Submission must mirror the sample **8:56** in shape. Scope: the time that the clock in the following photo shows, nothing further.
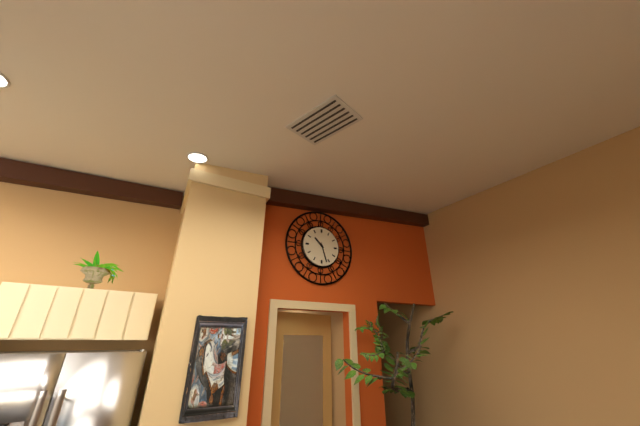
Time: **10:27**
